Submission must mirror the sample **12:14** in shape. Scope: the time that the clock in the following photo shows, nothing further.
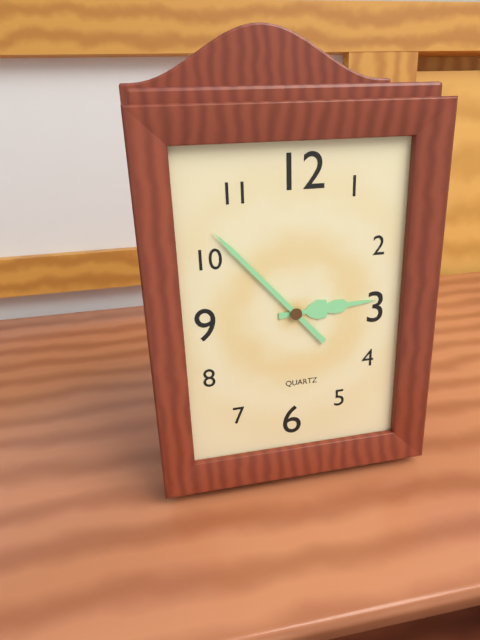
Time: **2:53**
